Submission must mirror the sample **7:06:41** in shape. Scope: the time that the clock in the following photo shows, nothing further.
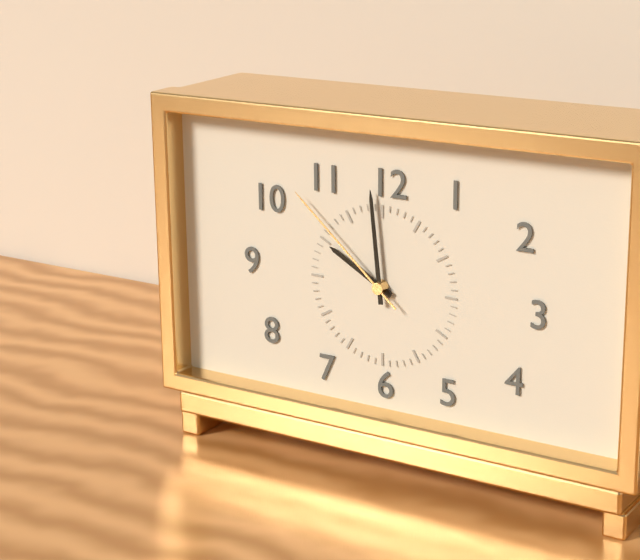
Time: **9:59:52**
